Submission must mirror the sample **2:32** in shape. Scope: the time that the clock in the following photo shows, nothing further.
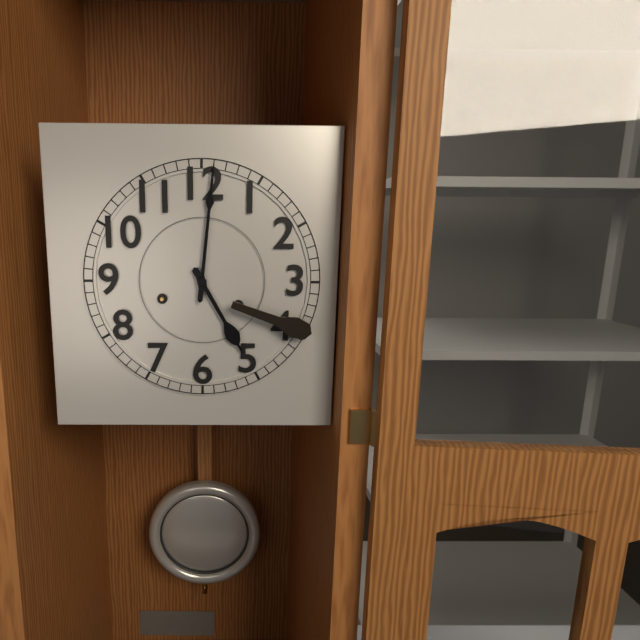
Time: **5:01**
